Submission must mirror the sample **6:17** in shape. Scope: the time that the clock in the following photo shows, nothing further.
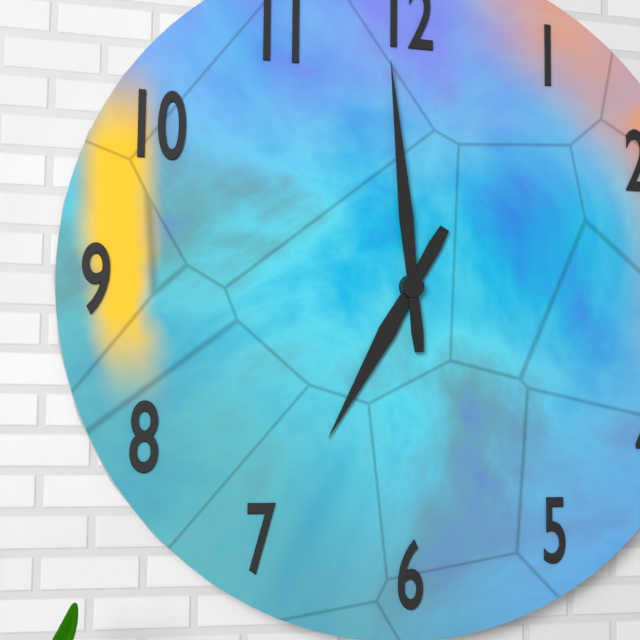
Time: **6:59**
